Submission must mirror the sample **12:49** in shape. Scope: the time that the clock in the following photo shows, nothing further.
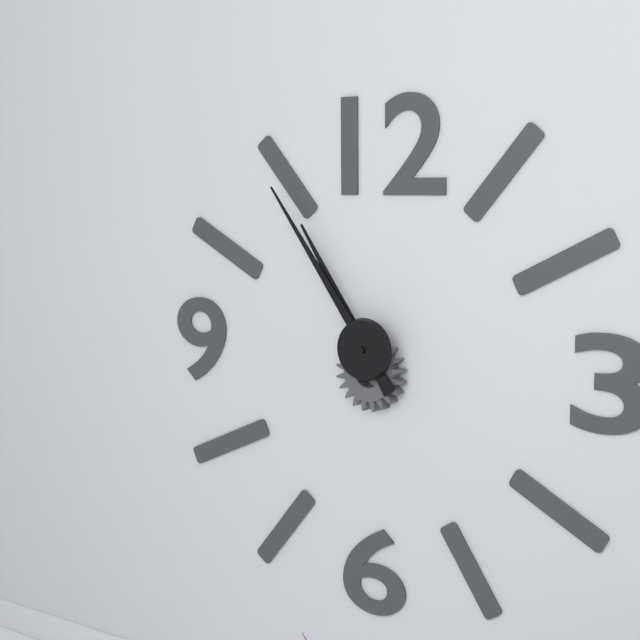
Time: **10:54**
